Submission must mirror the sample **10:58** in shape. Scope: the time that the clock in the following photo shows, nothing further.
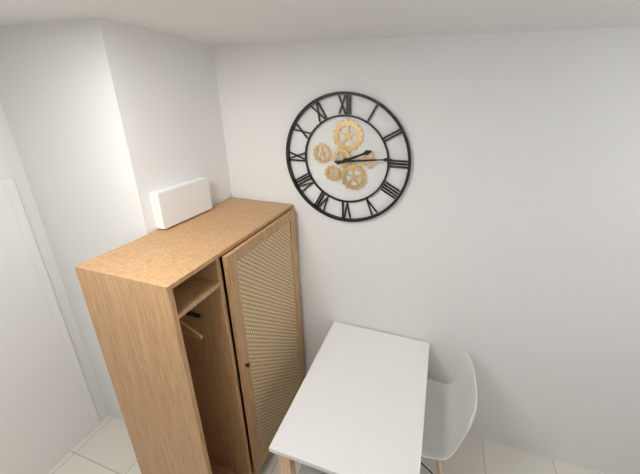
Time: **2:14**
